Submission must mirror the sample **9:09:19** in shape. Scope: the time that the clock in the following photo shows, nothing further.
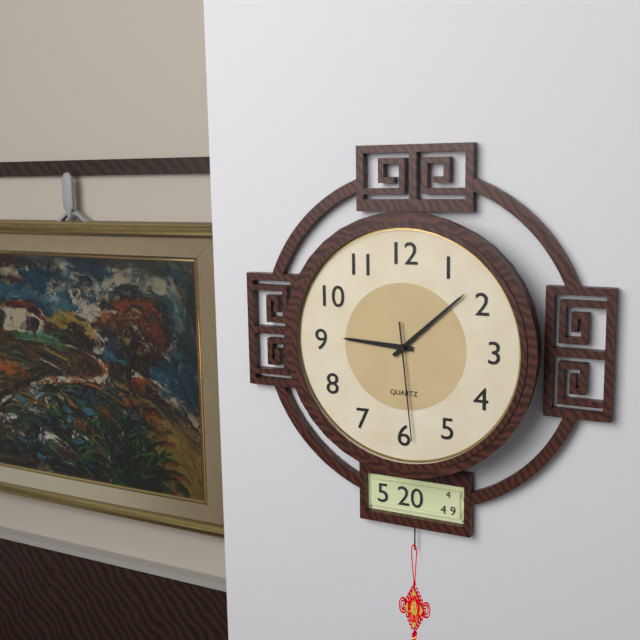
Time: **9:08:29**
